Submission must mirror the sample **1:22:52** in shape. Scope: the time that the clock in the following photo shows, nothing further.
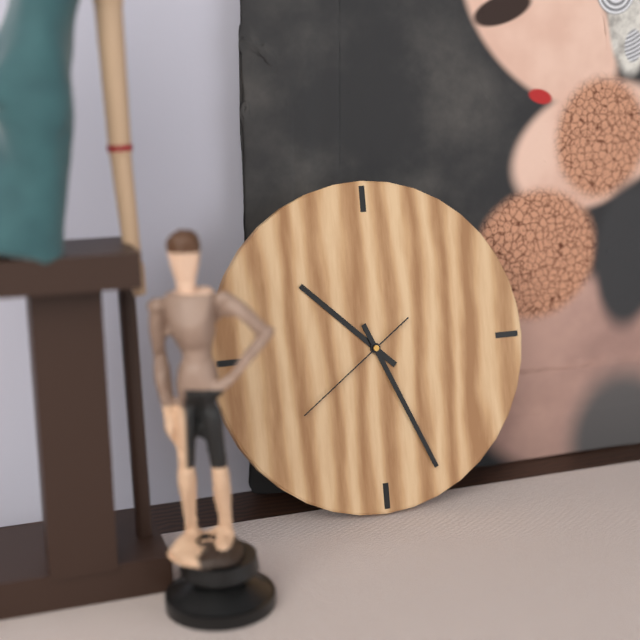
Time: **10:26:39**
